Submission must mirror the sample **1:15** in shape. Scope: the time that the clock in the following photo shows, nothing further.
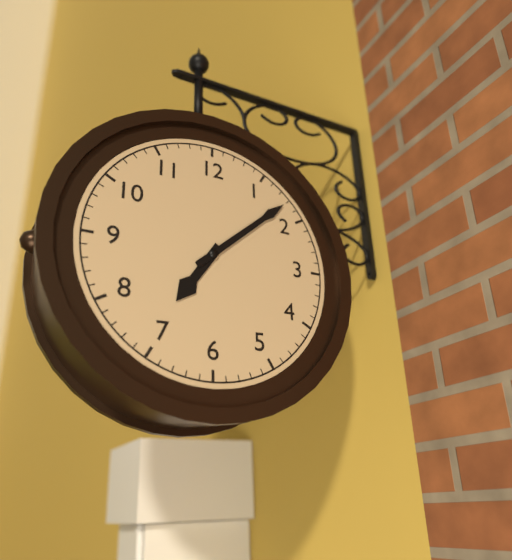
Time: **7:08**
